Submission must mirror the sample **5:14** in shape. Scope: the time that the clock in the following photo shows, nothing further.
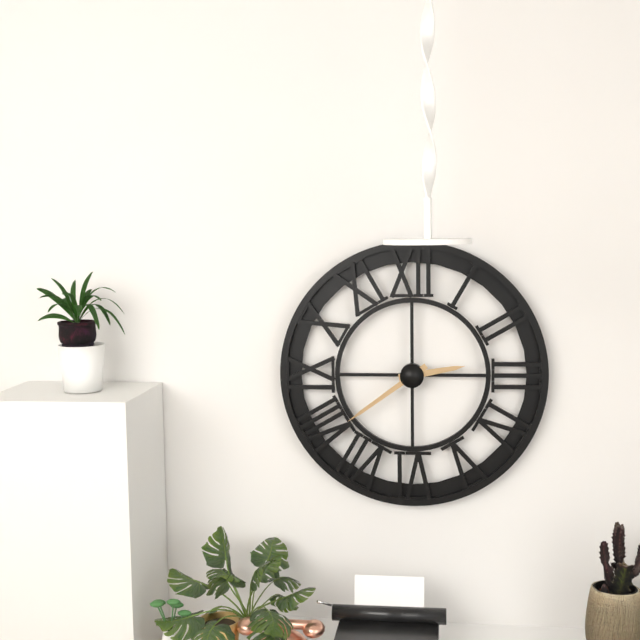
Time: **2:39**
